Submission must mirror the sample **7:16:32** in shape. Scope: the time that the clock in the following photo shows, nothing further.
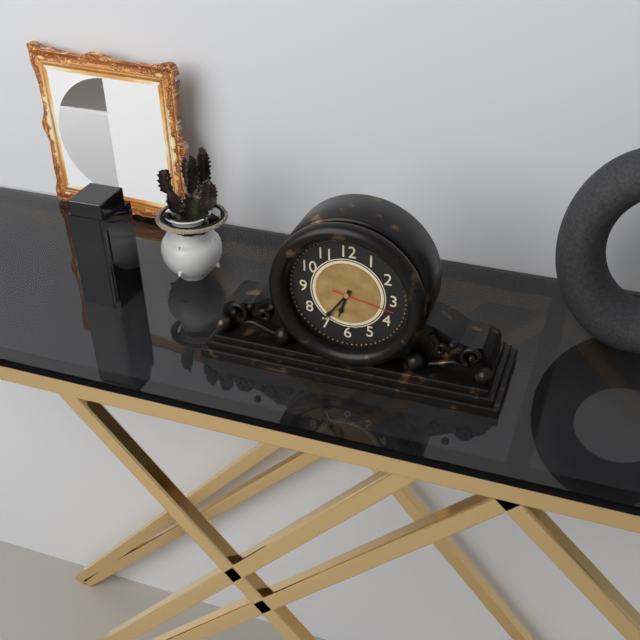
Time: **6:36:17**
